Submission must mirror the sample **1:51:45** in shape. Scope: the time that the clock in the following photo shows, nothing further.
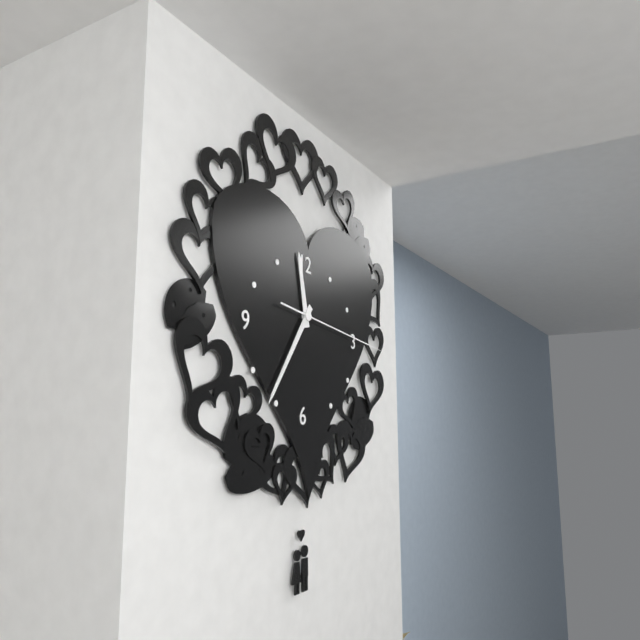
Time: **11:36:16**
